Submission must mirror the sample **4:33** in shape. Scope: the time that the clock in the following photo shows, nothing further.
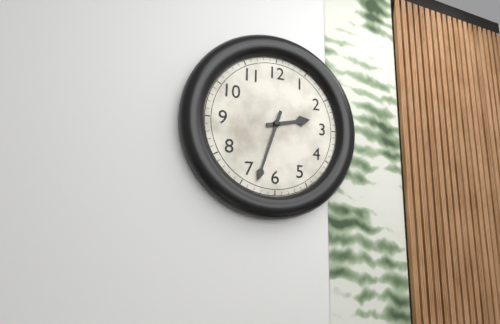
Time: **2:33**
